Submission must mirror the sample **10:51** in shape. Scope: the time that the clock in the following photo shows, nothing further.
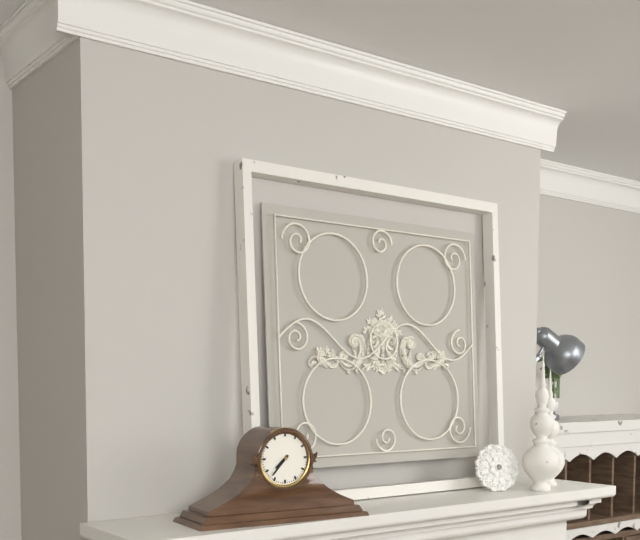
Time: **7:37**
